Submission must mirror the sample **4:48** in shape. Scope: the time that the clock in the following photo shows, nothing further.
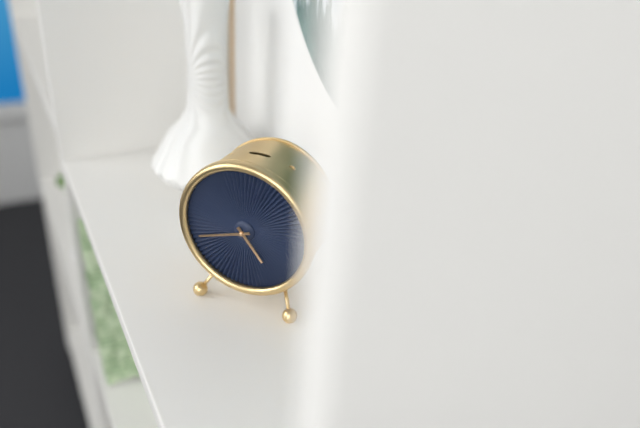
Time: **4:42**
